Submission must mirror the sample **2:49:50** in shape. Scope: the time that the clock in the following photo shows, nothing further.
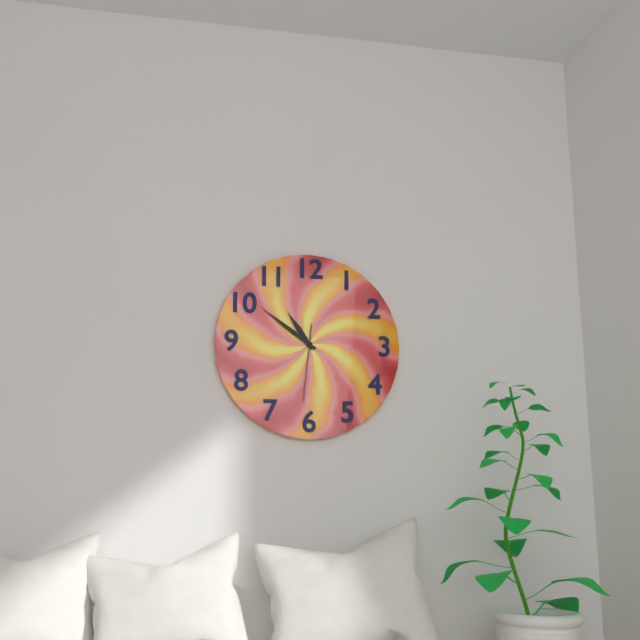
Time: **10:51:31**
